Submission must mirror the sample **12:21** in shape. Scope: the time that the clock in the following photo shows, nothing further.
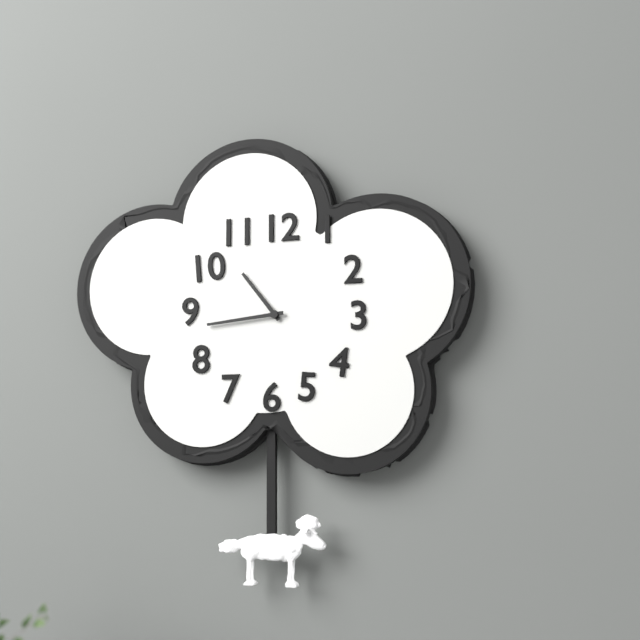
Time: **10:44**
